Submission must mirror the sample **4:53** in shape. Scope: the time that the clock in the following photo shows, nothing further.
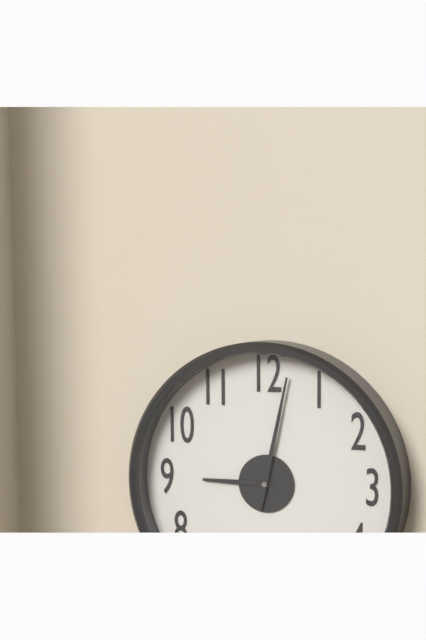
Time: **9:02**
